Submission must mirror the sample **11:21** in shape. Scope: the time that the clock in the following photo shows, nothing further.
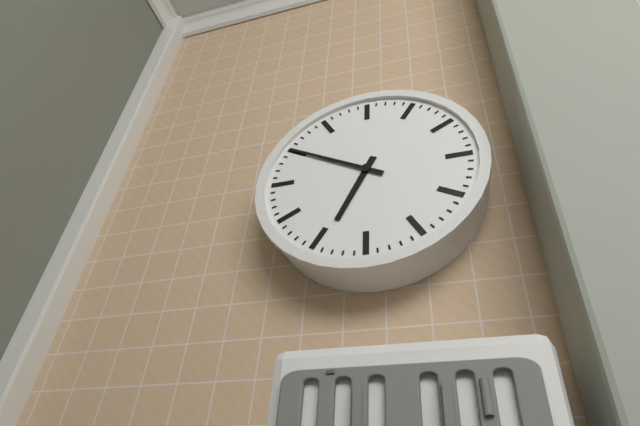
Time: **6:50**
